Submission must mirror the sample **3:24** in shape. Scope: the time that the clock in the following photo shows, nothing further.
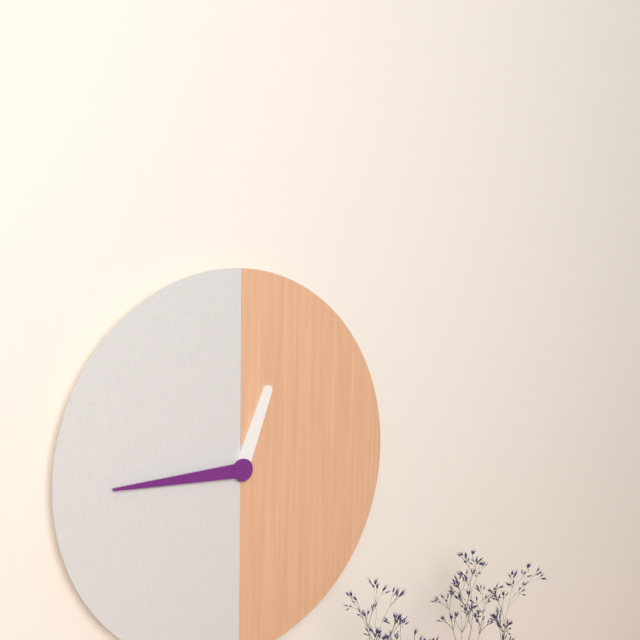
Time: **12:45**
